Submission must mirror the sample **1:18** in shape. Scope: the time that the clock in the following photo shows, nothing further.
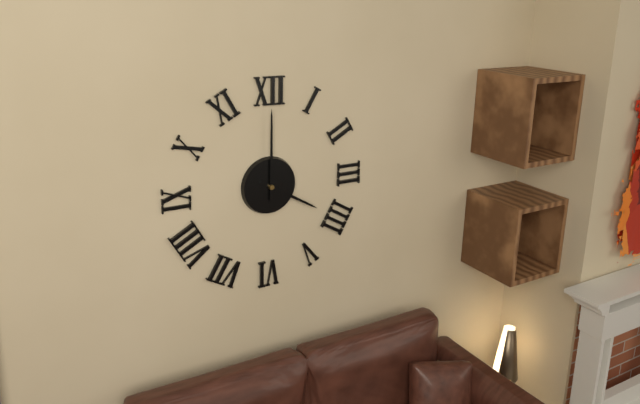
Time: **4:00**
